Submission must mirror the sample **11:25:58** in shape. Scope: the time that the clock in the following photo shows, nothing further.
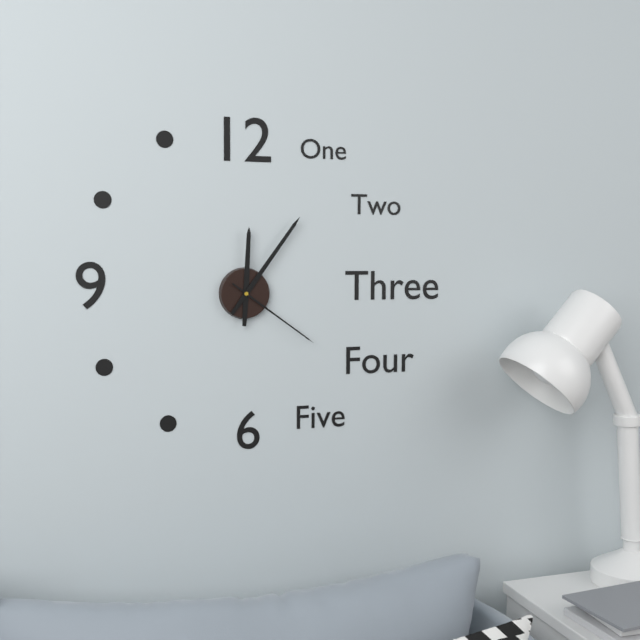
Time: **12:06:21**
